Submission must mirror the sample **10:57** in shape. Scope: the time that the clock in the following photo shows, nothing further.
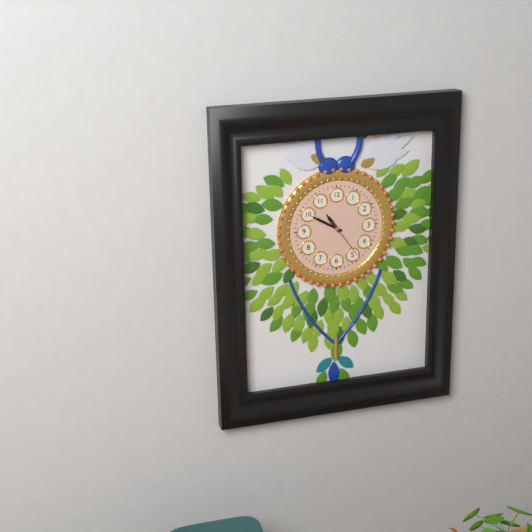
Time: **10:50**
